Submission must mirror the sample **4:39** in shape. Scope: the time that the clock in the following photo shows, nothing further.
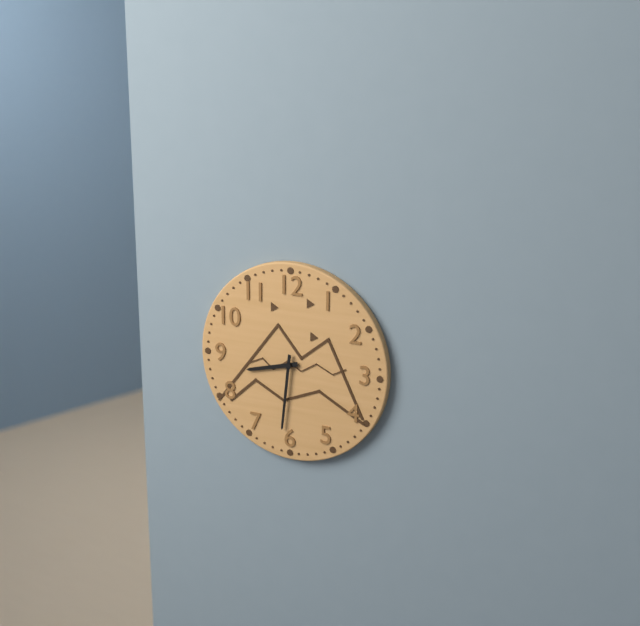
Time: **8:31**
